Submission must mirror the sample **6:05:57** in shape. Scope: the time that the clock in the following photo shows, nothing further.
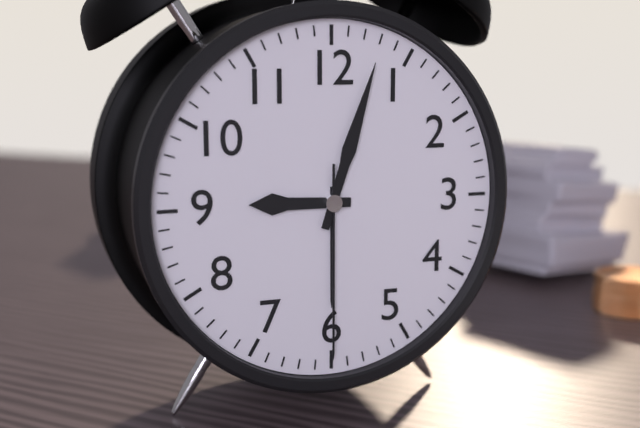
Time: **9:03:30**
